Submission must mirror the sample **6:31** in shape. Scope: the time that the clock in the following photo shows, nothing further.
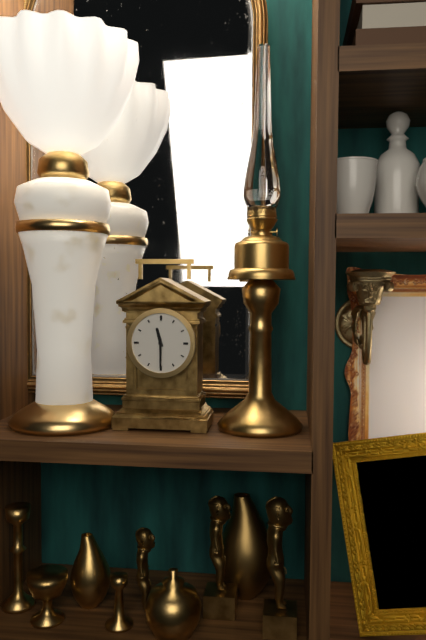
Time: **11:30**
